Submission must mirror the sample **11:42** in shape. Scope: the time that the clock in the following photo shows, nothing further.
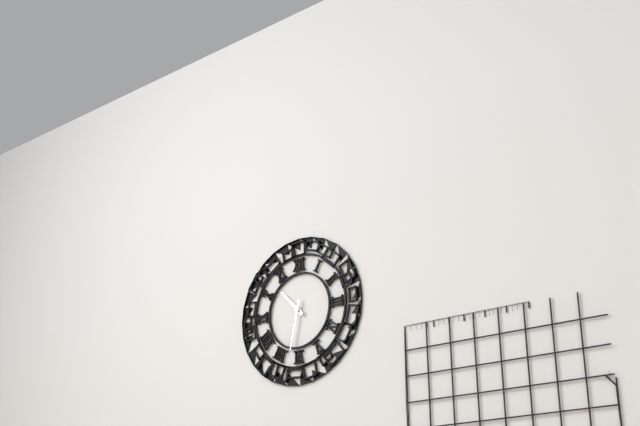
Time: **10:32**
